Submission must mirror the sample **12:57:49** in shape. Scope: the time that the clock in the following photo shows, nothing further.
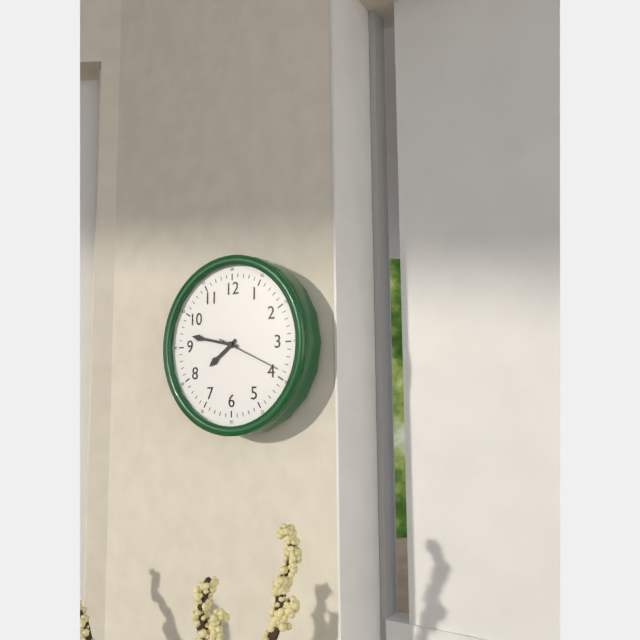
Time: **7:47:19**
